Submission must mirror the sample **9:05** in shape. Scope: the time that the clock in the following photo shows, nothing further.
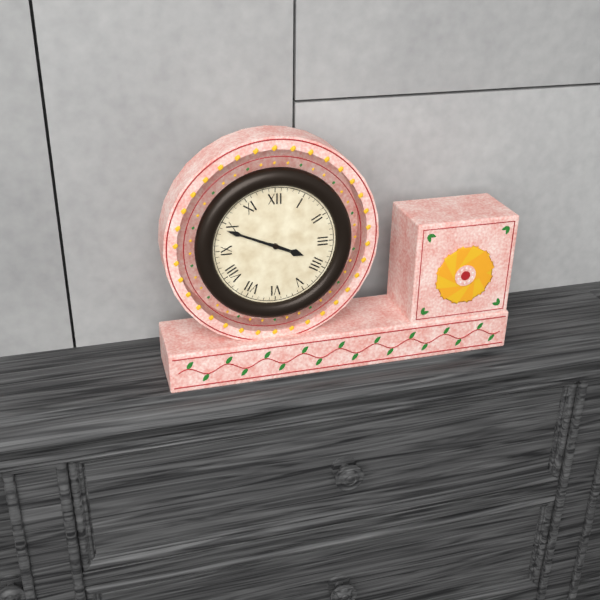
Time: **3:49**
